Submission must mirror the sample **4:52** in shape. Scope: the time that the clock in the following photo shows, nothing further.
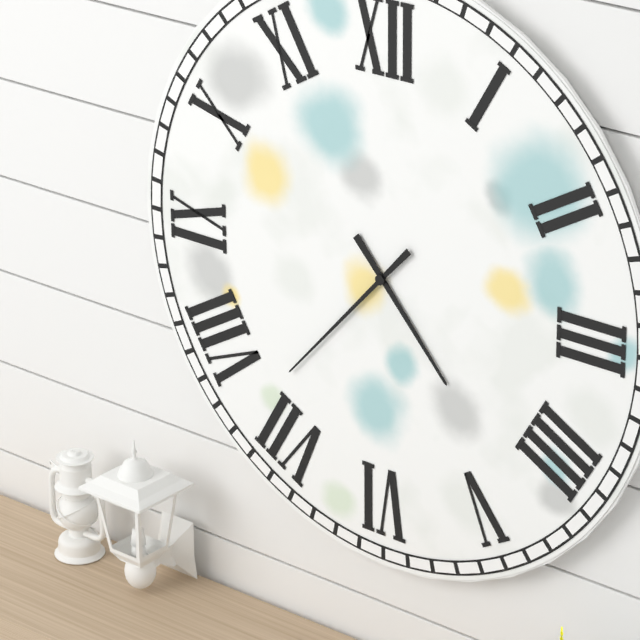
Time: **4:37**
